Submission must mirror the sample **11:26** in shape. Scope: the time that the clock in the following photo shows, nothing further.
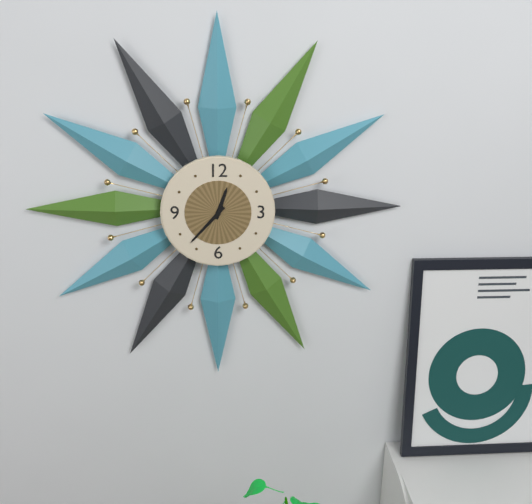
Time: **12:37**
